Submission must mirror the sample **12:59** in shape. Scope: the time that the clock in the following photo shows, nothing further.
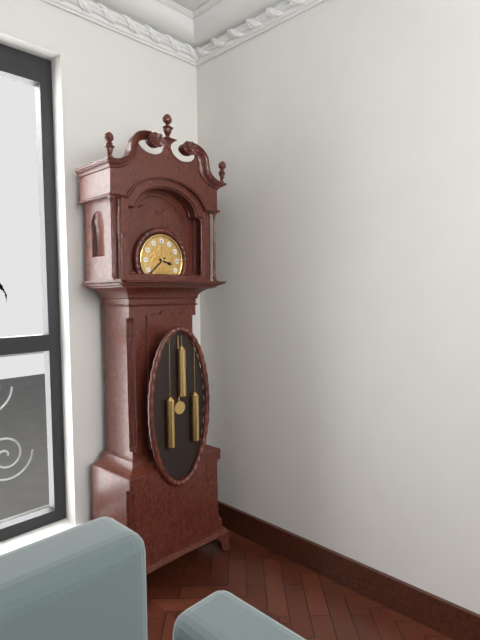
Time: **3:38**
